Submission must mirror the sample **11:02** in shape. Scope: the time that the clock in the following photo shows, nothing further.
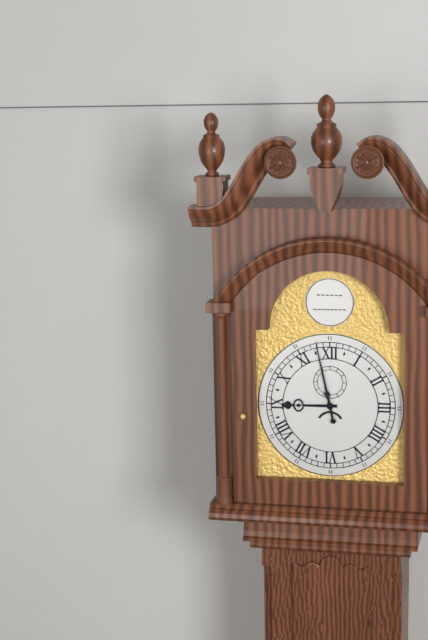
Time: **8:58**
